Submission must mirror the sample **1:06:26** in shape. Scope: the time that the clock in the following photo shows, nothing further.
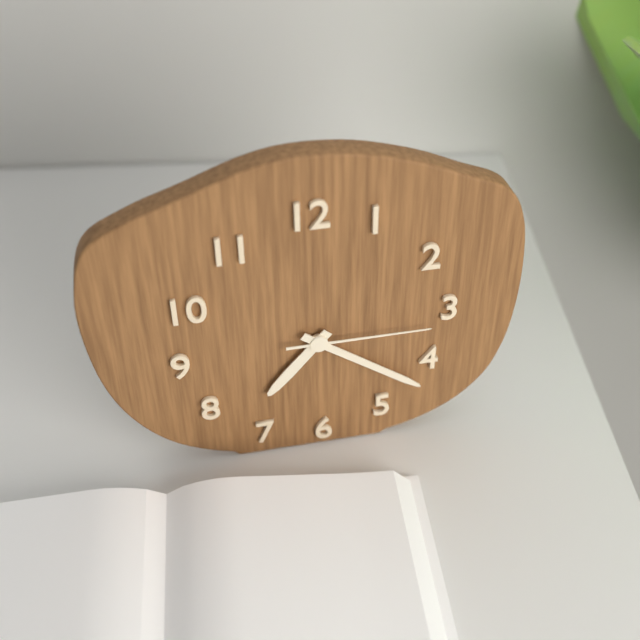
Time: **7:21:15**
